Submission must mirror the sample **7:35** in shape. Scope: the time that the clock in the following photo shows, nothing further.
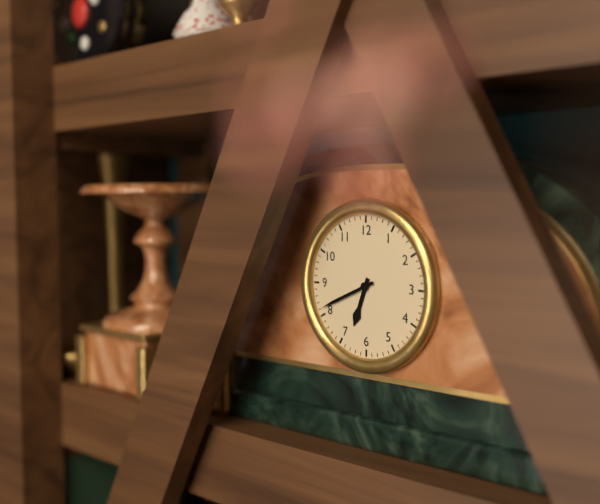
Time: **6:41**
